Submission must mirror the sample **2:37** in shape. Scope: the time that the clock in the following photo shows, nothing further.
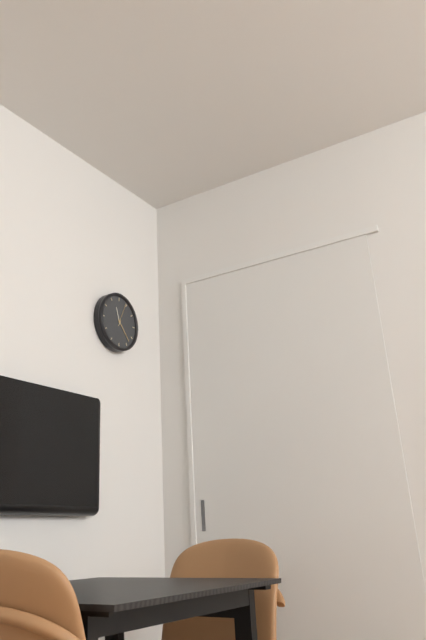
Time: **11:23**
